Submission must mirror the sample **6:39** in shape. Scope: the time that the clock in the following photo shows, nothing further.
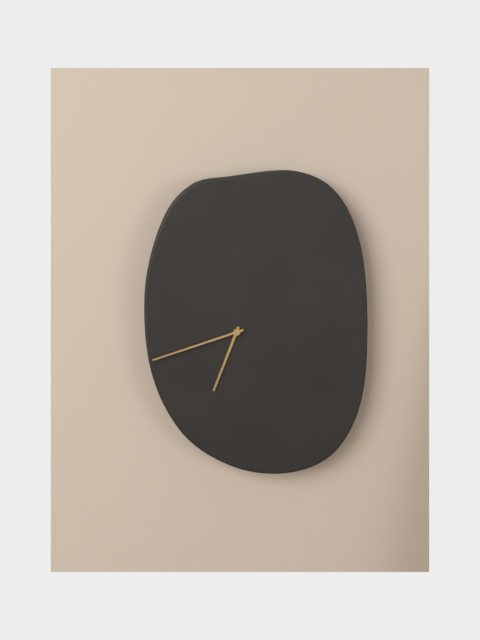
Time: **6:42**
